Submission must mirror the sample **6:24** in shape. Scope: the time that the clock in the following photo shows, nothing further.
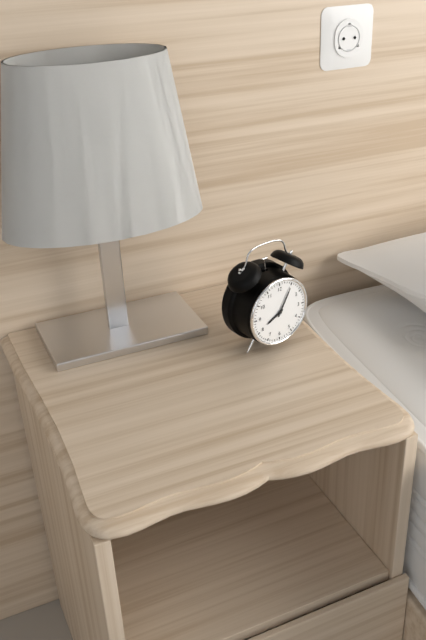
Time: **8:05**
